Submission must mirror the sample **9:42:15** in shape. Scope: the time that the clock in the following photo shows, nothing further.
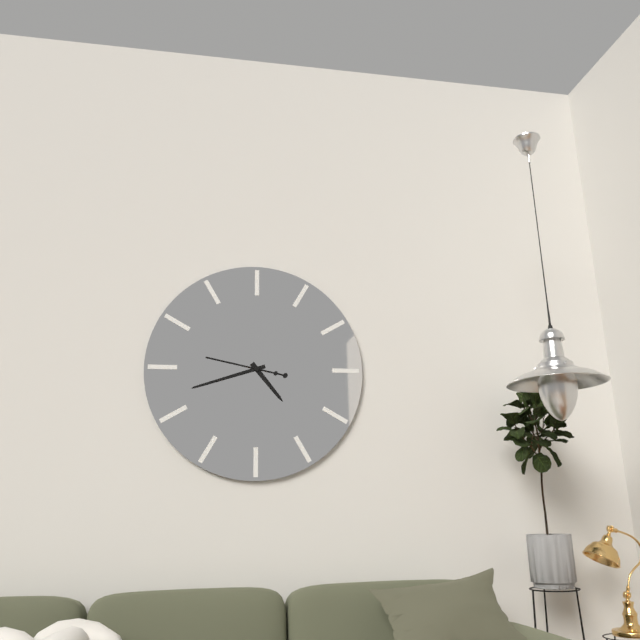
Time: **4:42:47**
